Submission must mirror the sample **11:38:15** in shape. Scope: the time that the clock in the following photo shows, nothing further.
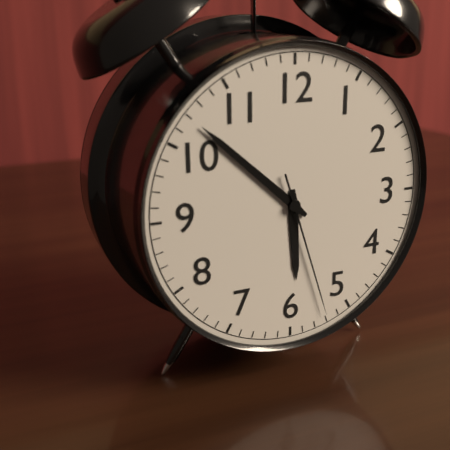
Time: **5:52:27**
